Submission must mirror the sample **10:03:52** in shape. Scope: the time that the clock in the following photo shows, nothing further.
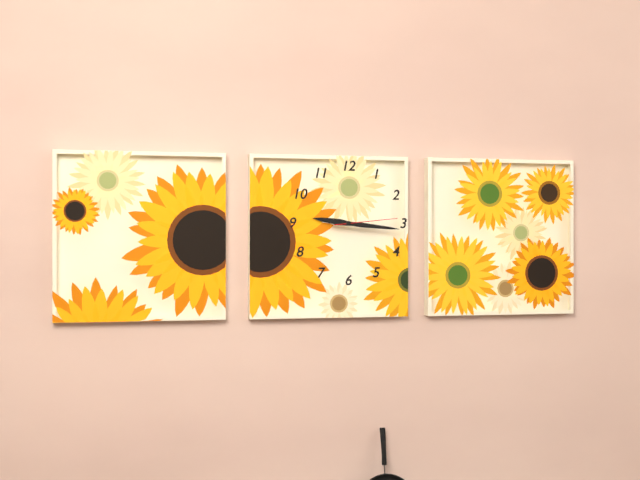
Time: **9:16:14**
